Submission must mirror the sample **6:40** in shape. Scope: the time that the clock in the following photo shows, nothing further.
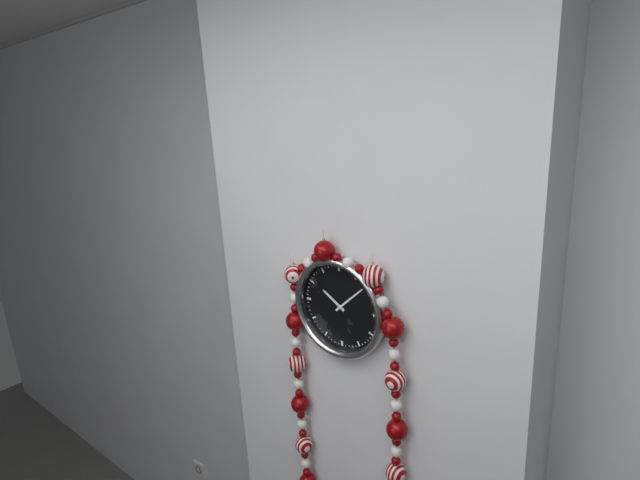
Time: **10:08**
